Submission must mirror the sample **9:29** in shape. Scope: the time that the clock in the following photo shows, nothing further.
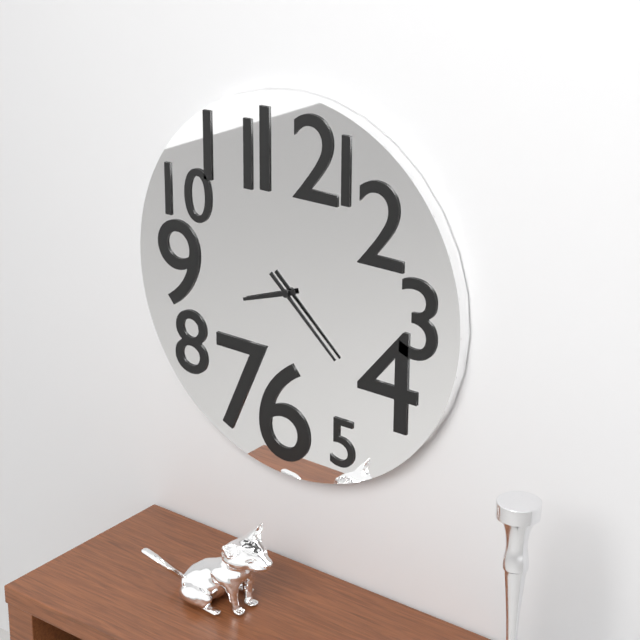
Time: **8:22**
